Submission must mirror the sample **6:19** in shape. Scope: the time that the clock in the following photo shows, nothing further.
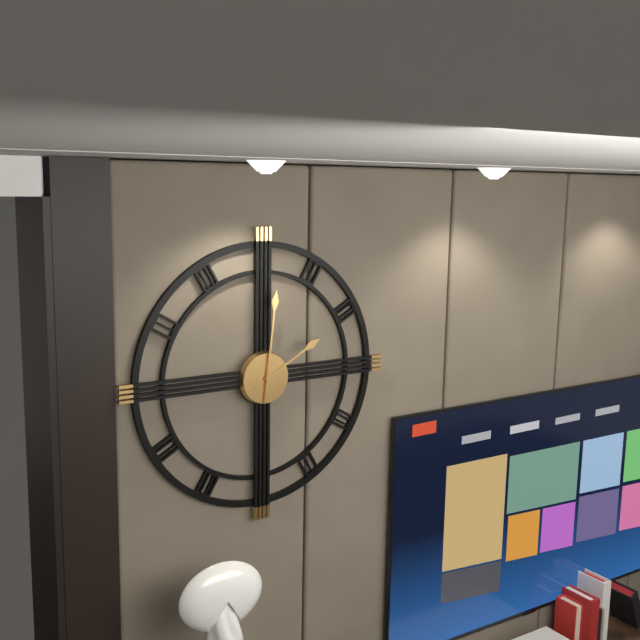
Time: **2:01**
